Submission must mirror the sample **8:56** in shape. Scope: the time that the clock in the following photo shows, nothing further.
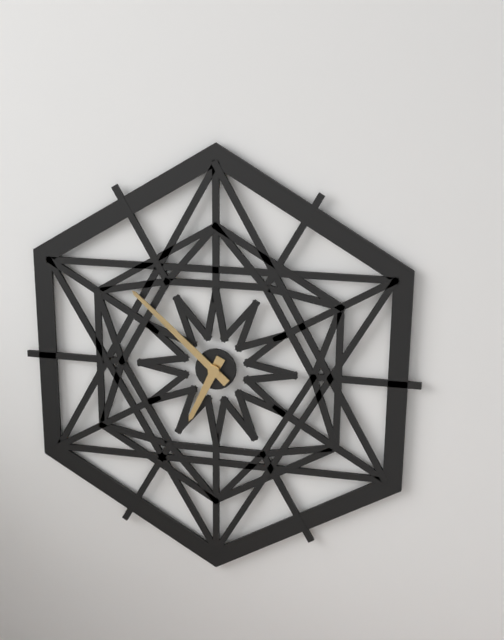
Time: **6:52**
